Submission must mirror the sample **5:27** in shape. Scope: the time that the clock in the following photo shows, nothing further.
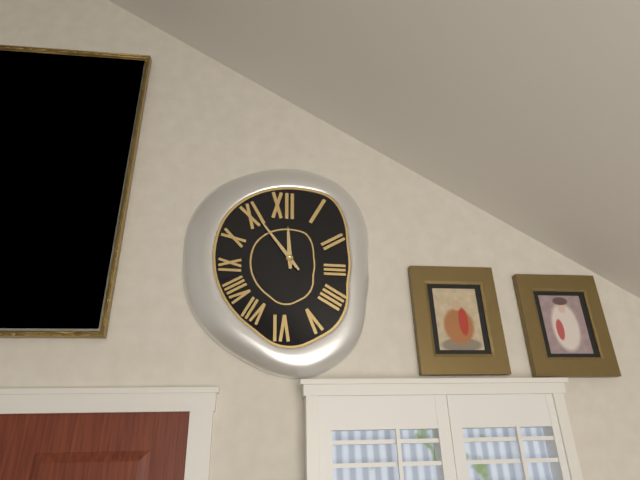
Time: **11:54**
